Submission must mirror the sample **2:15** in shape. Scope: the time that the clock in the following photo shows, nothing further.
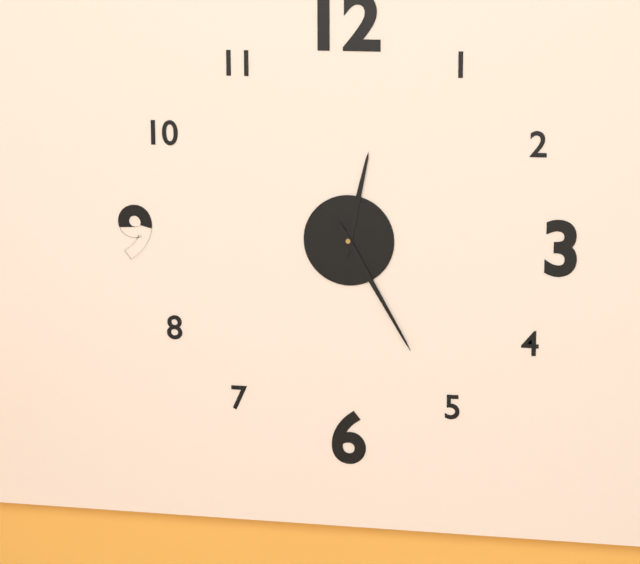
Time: **12:25**
